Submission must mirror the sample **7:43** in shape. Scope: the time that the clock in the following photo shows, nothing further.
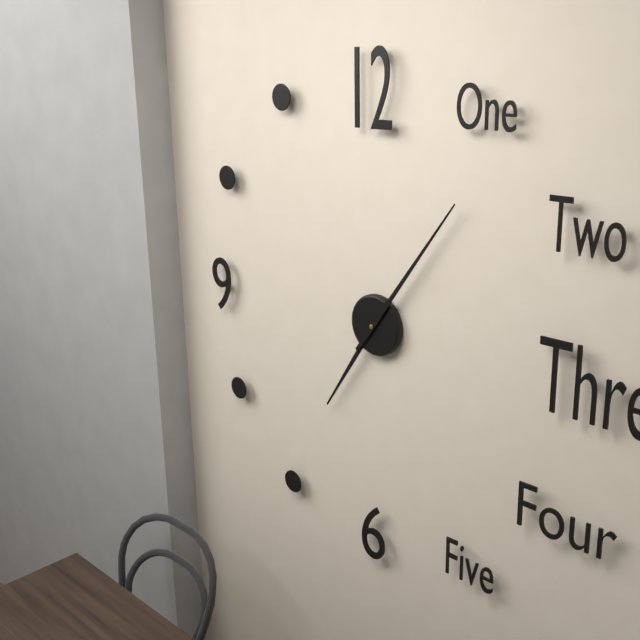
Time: **7:06**
